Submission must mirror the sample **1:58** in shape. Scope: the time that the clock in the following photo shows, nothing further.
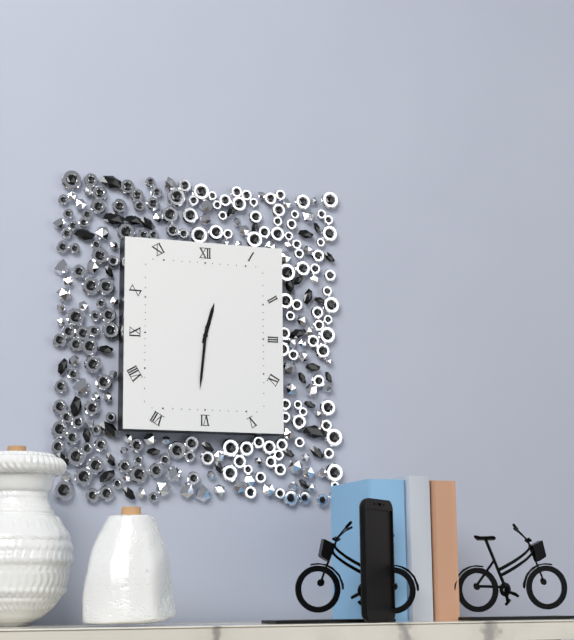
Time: **12:31**
